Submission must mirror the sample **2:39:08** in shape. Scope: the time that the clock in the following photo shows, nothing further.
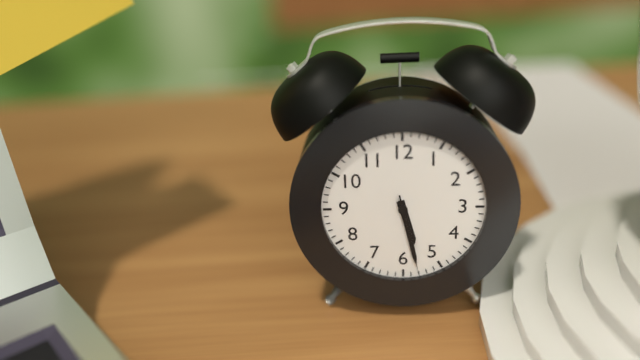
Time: **5:28:28**
